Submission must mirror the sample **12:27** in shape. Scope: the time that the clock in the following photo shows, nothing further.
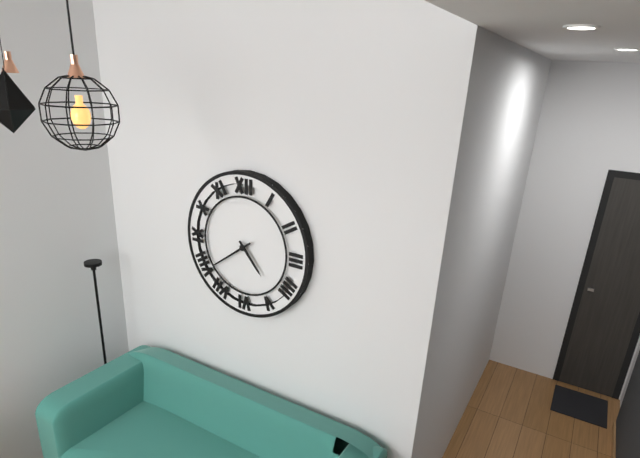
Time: **4:39**
